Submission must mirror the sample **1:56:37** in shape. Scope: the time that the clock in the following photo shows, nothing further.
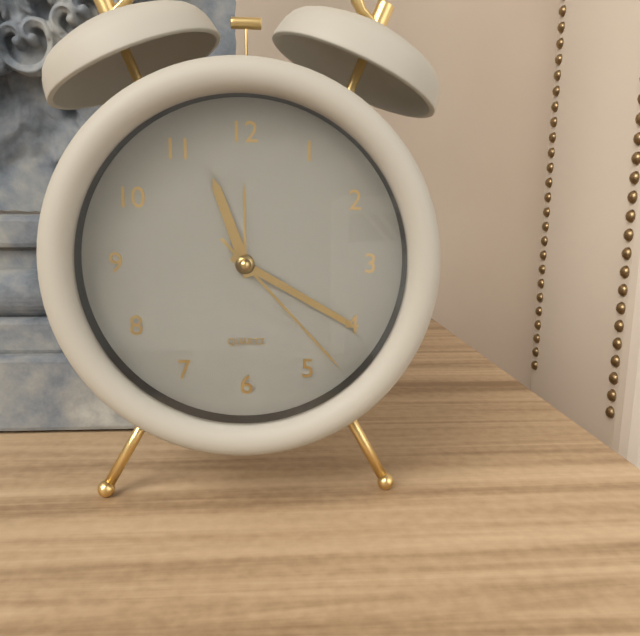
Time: **11:20:23**
